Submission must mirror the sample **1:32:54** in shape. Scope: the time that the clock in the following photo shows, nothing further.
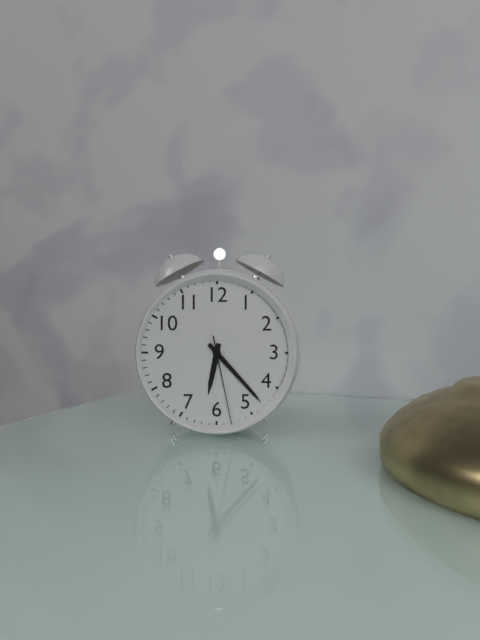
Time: **6:23:28**
